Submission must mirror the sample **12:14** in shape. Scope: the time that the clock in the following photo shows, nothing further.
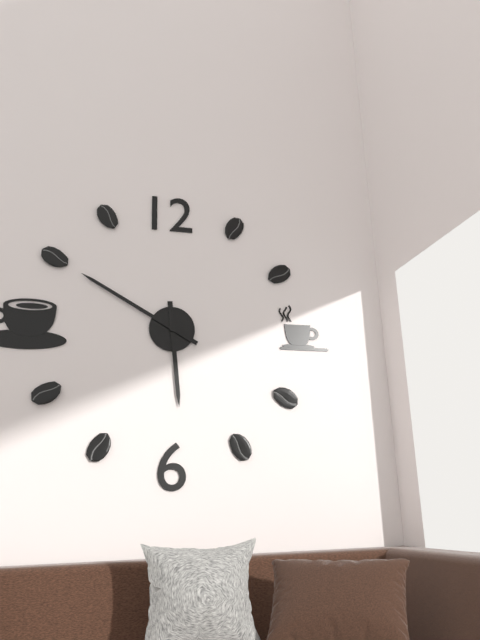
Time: **5:50**
